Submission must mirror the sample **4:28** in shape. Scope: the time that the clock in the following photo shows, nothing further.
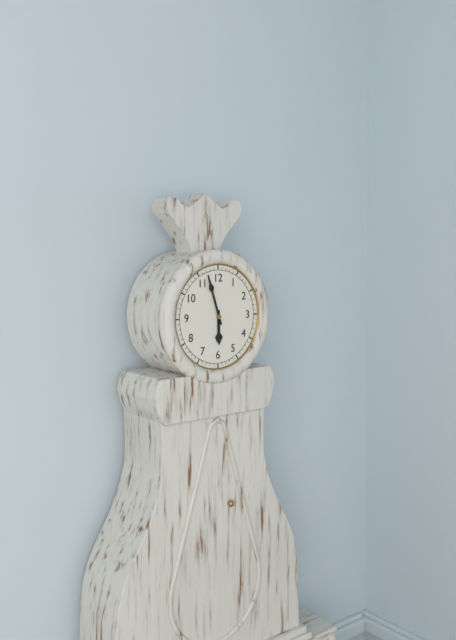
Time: **5:57**
